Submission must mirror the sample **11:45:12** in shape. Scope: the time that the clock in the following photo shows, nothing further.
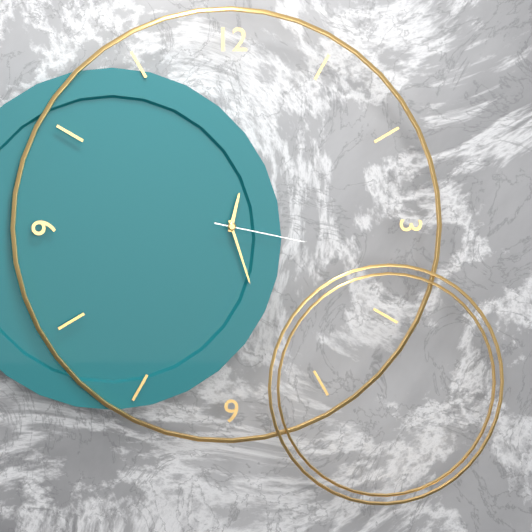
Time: **12:27:17**
